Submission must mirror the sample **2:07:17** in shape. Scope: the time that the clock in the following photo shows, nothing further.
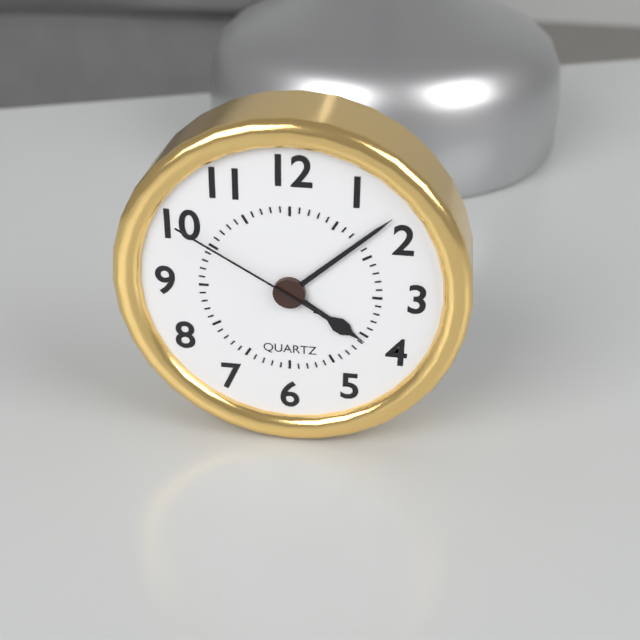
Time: **4:08:50**
